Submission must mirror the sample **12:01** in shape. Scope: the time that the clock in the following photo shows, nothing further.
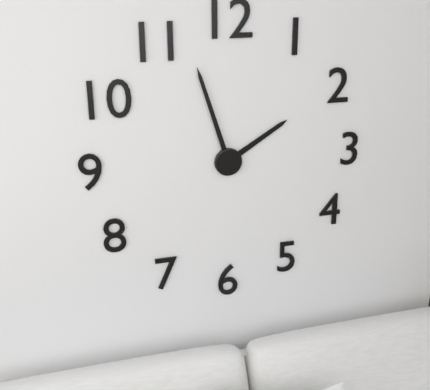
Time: **1:57**
